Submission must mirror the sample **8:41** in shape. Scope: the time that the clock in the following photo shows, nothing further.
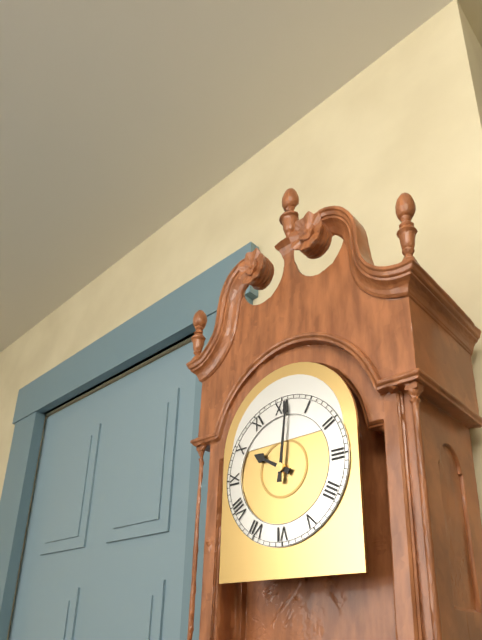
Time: **10:01**
